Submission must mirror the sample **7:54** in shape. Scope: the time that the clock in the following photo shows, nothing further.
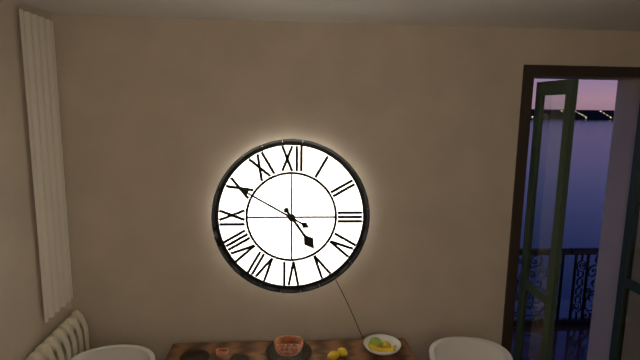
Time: **4:50**
